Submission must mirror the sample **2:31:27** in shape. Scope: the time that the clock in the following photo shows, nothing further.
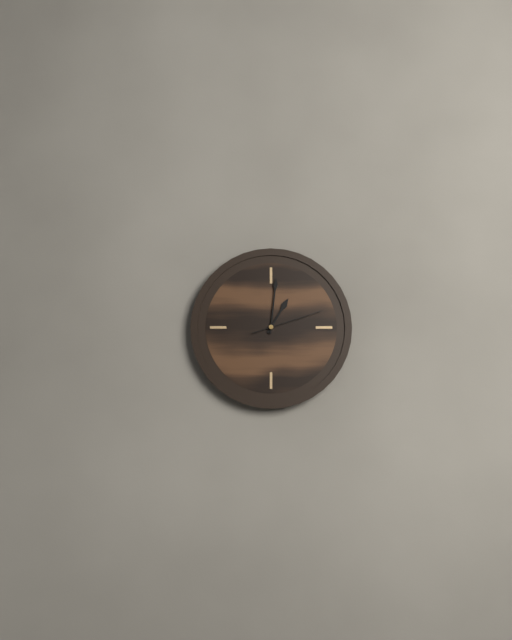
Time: **1:01:12**
